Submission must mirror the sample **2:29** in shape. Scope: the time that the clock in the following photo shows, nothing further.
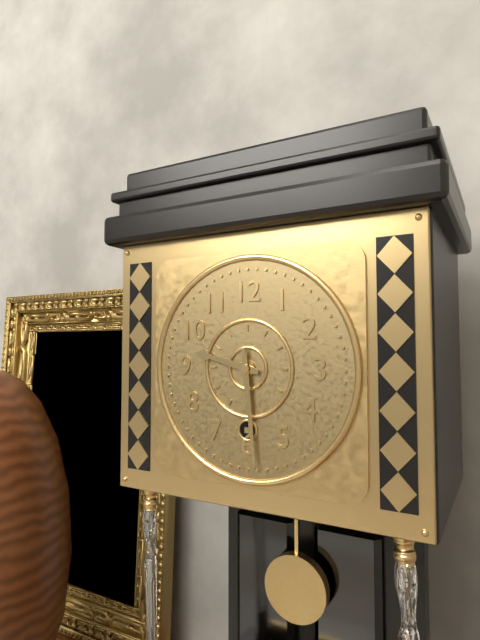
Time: **9:29**
